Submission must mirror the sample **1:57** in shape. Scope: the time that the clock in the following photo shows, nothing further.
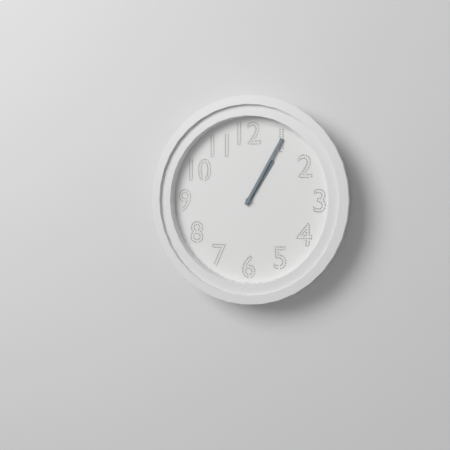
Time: **1:05**
